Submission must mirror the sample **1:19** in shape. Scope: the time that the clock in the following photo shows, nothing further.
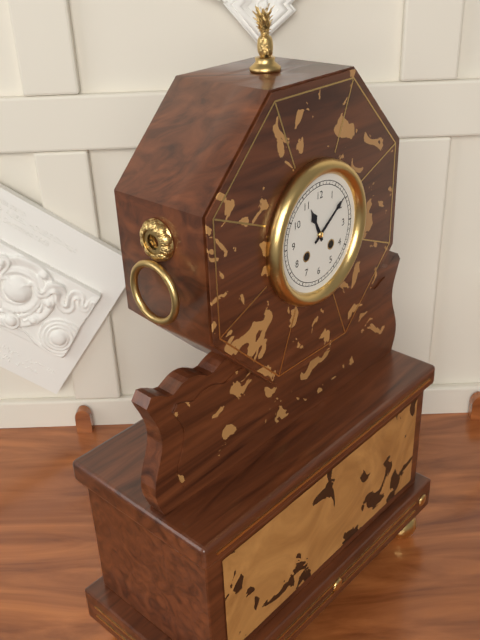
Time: **11:09**
